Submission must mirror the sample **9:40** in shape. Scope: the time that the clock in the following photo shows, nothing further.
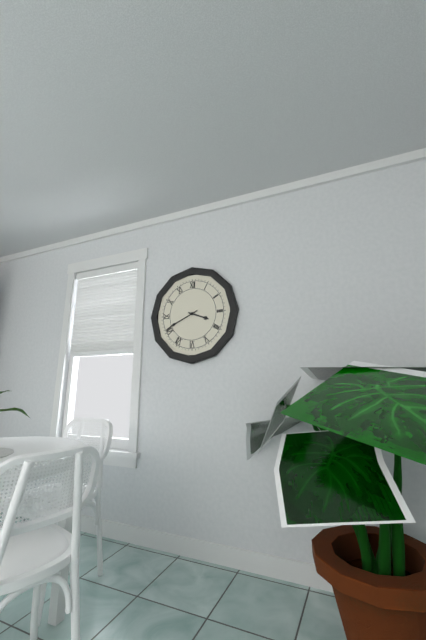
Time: **3:41**
